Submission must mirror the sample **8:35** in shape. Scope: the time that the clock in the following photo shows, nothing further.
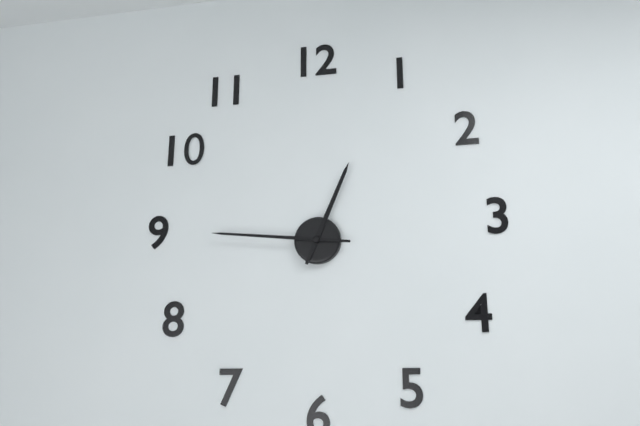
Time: **12:46**
